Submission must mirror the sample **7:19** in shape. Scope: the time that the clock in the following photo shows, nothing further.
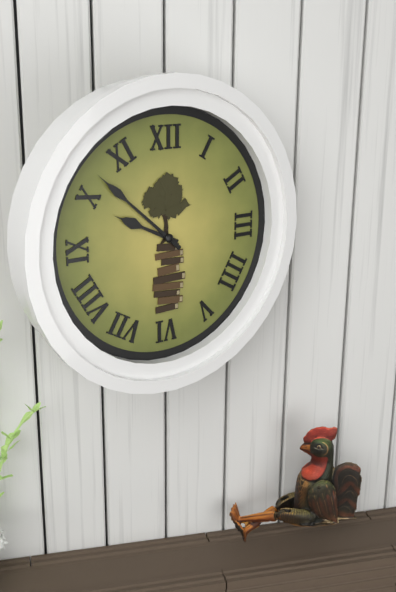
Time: **9:52**
